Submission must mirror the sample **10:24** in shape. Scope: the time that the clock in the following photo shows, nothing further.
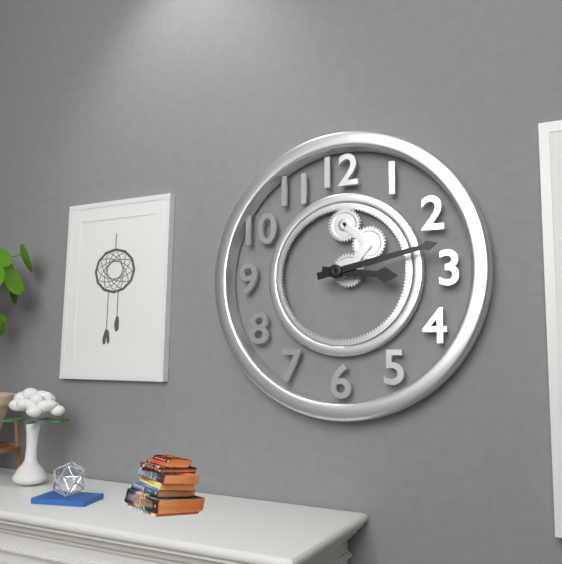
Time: **3:13**
